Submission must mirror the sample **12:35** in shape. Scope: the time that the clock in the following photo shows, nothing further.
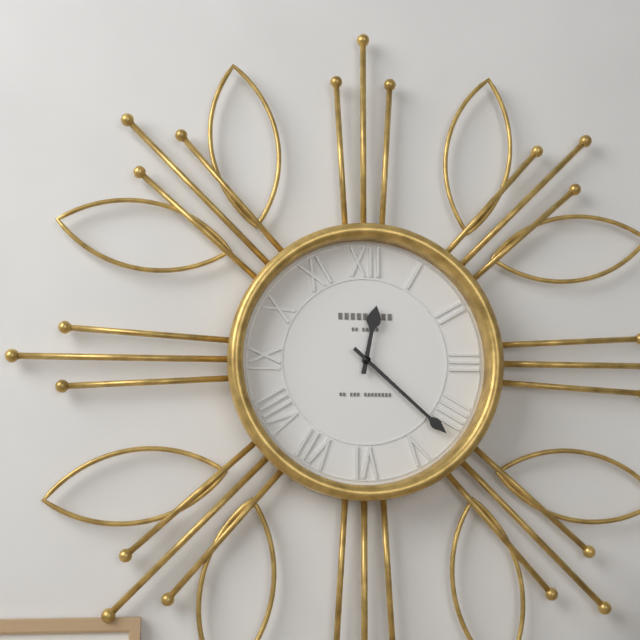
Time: **12:22**
